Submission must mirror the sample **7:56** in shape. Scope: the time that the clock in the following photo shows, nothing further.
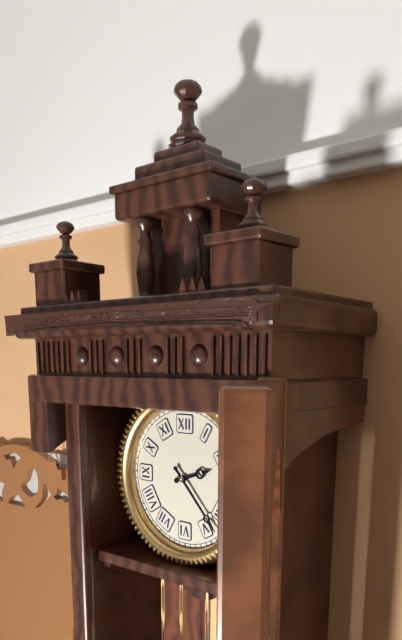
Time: **2:23**
